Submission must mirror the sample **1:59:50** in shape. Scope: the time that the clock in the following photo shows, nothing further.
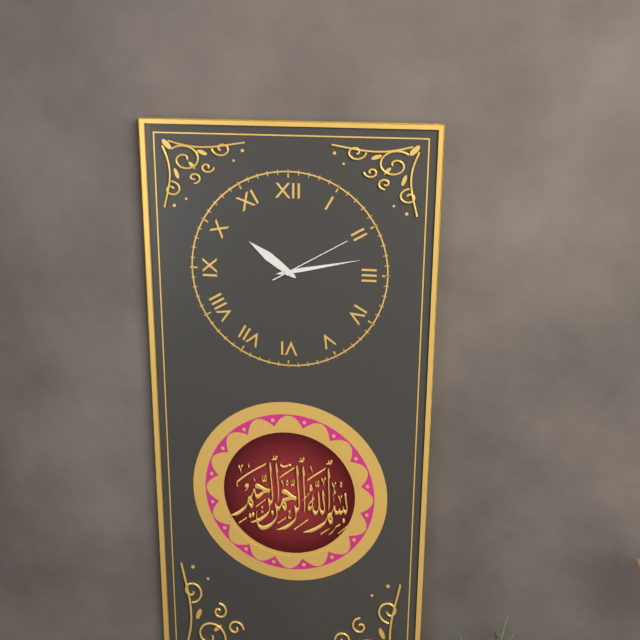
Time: **10:13:10**
